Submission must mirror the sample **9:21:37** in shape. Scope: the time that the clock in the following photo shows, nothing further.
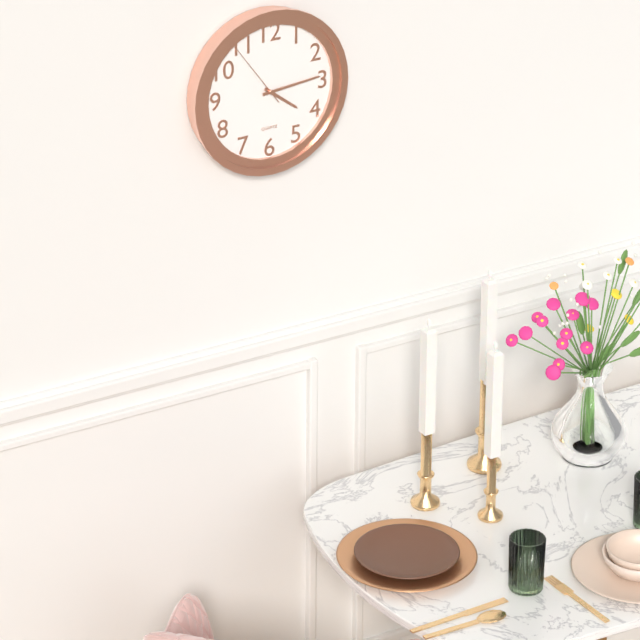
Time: **4:14:54**
